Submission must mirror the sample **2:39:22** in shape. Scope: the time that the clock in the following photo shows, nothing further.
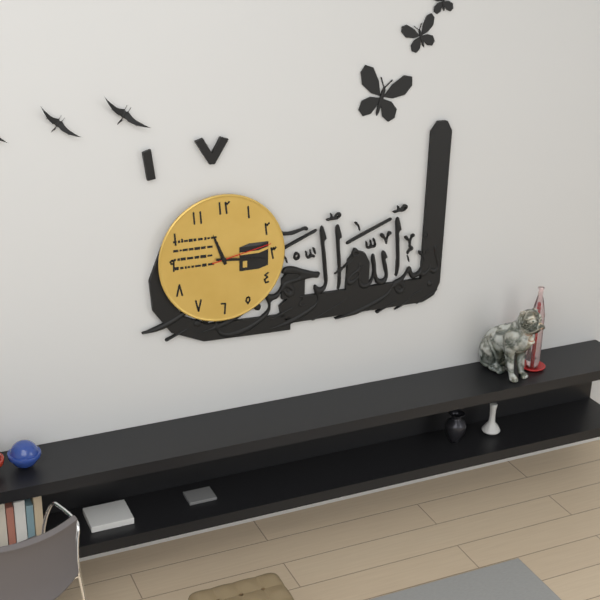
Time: **11:16:13**
